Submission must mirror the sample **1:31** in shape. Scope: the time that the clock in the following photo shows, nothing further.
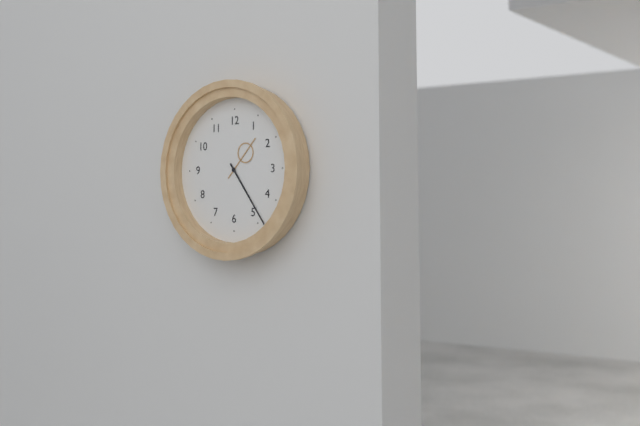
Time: **1:24**
